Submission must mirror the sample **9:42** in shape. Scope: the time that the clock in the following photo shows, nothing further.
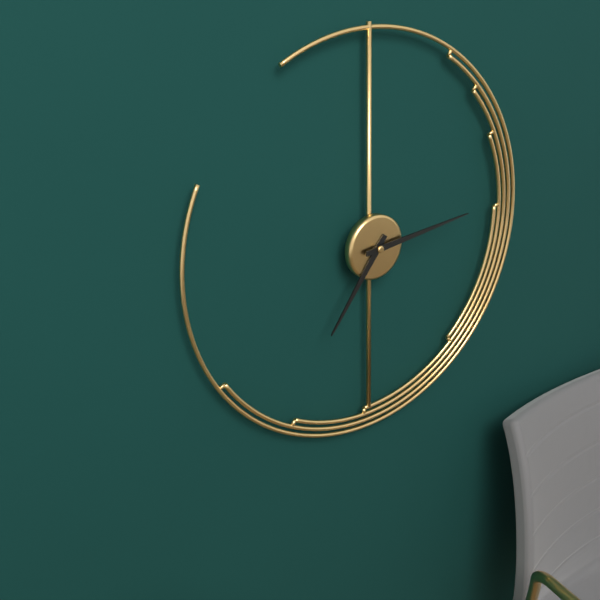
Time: **7:14**
